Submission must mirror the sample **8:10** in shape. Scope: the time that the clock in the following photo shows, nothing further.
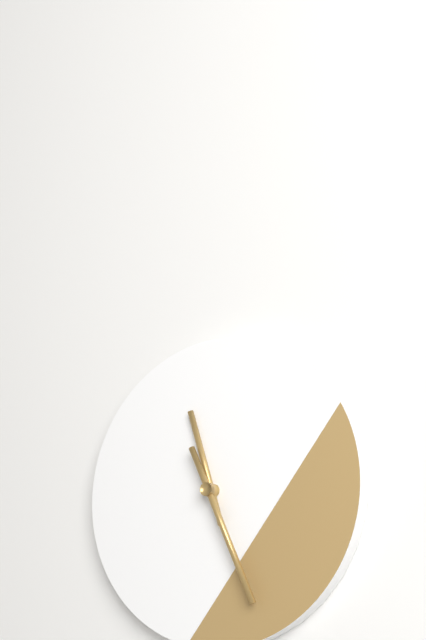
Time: **11:26**
